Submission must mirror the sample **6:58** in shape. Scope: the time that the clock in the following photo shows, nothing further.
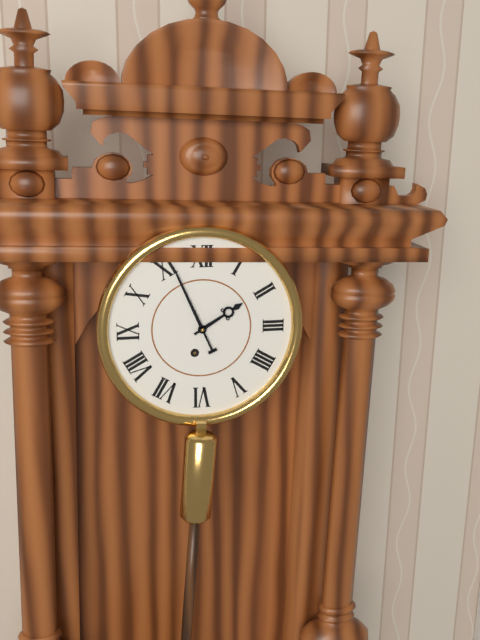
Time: **1:56**
